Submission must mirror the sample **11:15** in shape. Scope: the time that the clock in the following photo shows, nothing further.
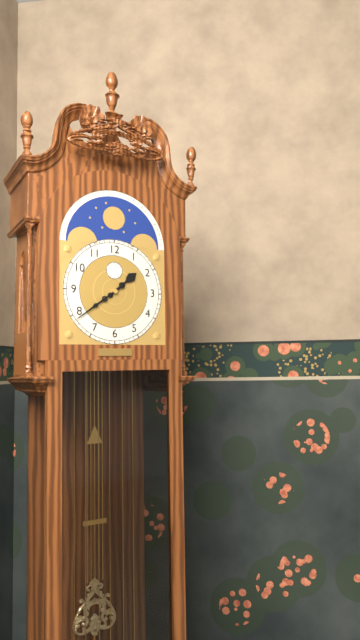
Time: **1:39**
